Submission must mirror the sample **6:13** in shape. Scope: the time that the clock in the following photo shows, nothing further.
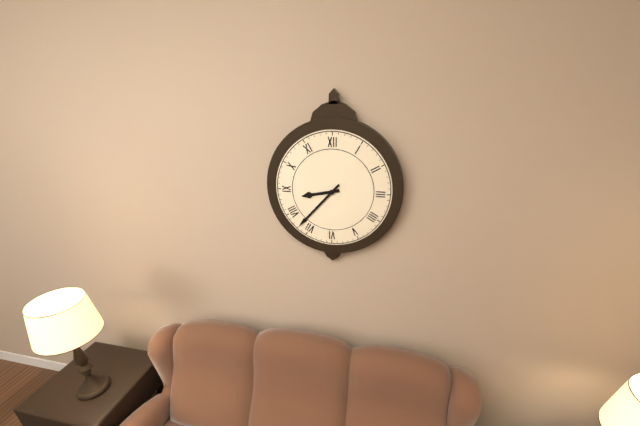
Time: **8:37**
